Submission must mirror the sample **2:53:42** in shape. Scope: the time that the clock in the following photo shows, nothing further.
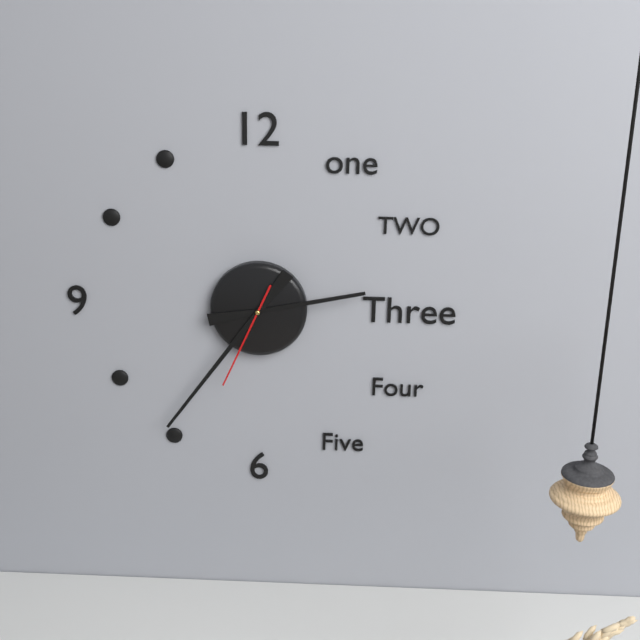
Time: **2:36:34**
